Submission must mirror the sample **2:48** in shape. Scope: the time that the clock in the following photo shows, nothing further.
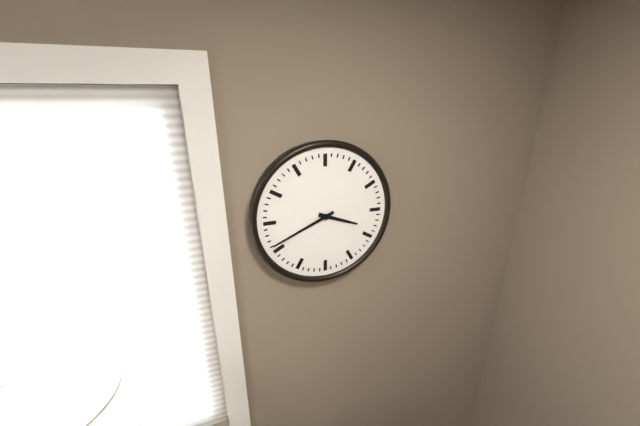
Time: **3:41**
